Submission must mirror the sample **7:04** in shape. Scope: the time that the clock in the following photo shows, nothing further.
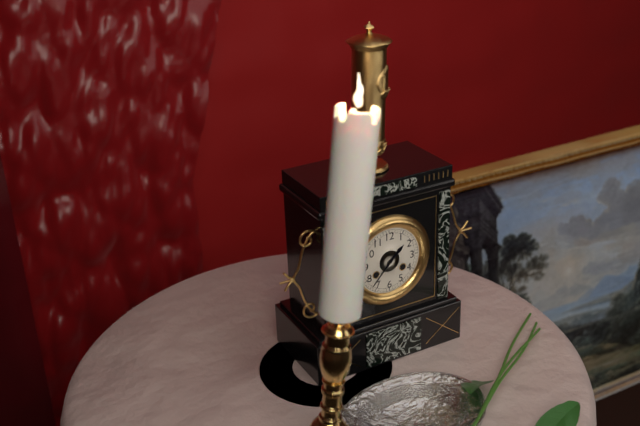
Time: **1:37**
